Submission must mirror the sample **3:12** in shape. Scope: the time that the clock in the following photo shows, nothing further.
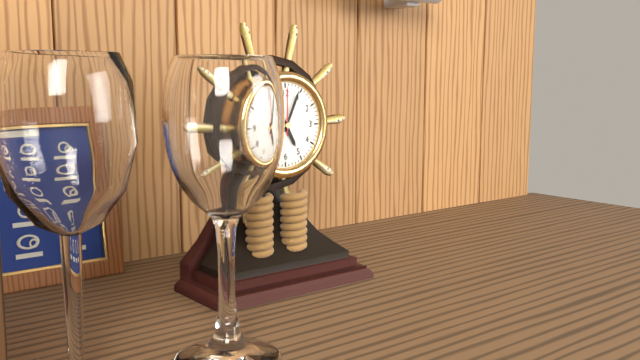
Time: **5:04**
